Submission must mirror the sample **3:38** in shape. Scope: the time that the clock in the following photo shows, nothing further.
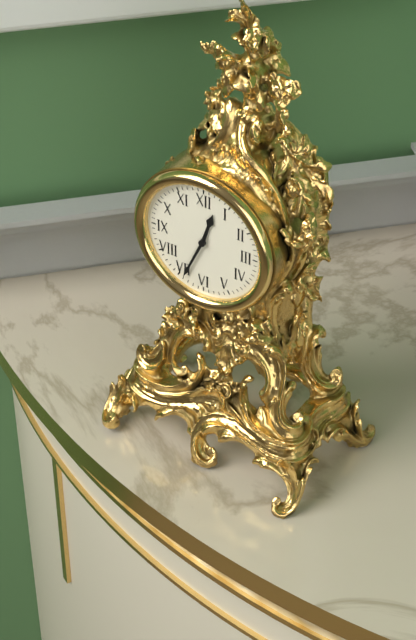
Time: **12:34**
